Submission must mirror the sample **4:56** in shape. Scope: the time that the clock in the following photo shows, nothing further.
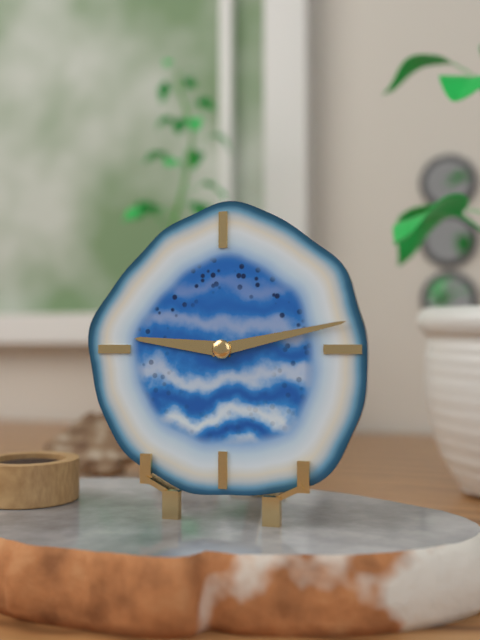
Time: **9:13**
